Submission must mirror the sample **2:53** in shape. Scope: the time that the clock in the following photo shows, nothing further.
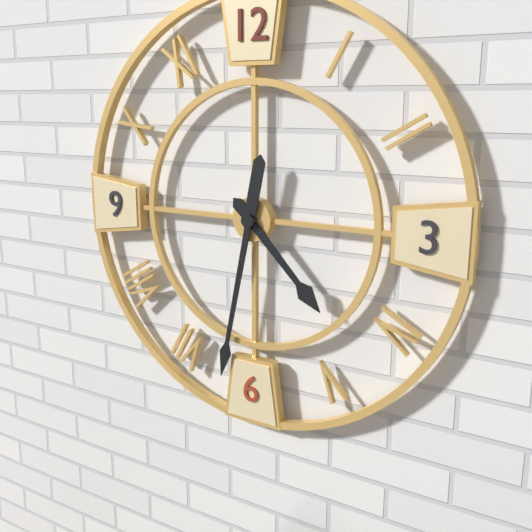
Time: **4:32**
